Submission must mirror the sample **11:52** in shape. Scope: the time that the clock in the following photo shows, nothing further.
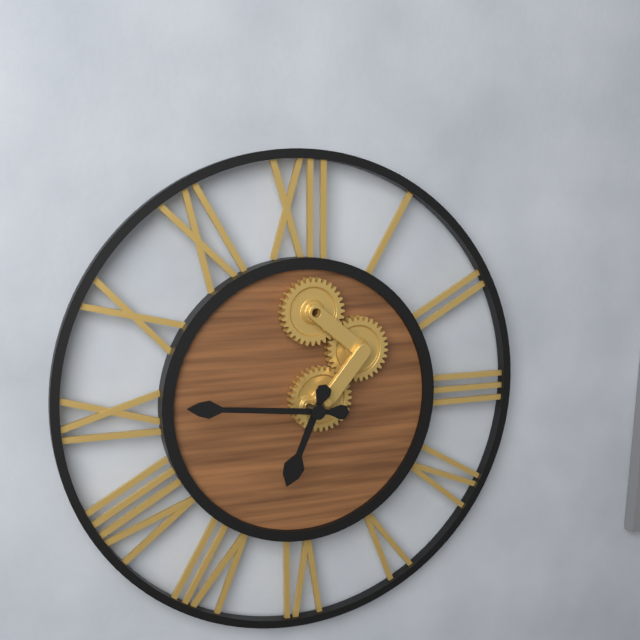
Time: **6:46**
